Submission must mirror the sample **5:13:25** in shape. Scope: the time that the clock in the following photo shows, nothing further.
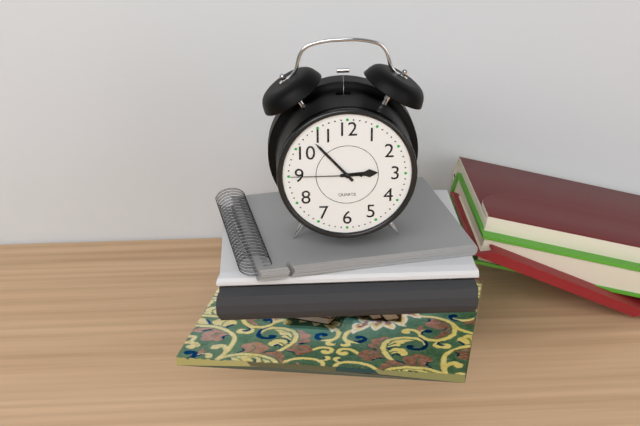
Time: **2:53:45**
